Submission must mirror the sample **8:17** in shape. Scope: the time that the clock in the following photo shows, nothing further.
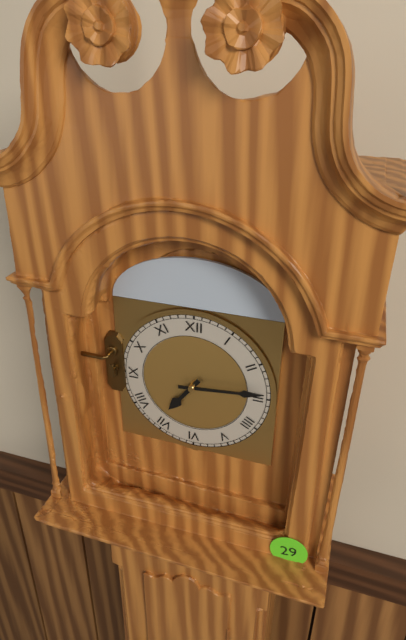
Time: **7:14**
